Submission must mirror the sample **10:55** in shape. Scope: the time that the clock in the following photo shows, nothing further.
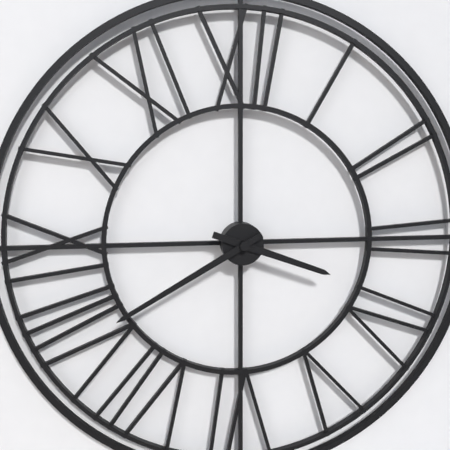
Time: **3:40**
